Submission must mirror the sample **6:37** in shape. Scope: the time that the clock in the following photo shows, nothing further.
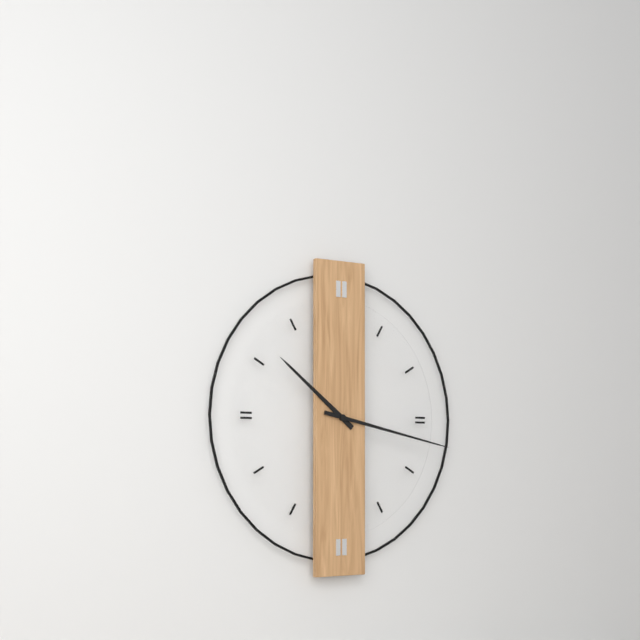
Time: **10:17**
